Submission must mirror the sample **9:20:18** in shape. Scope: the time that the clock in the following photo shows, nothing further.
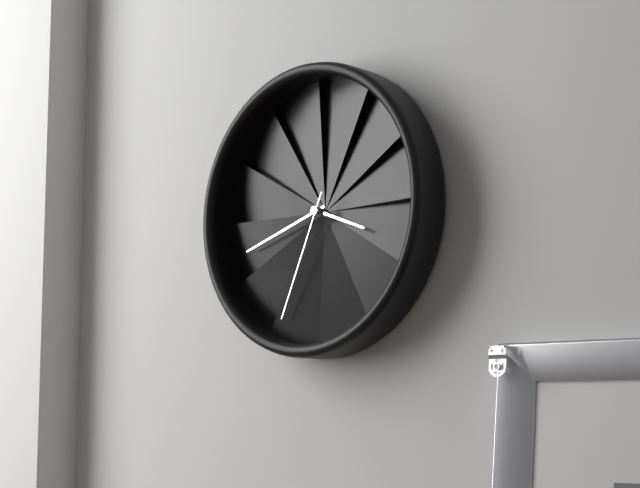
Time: **3:42:34**
